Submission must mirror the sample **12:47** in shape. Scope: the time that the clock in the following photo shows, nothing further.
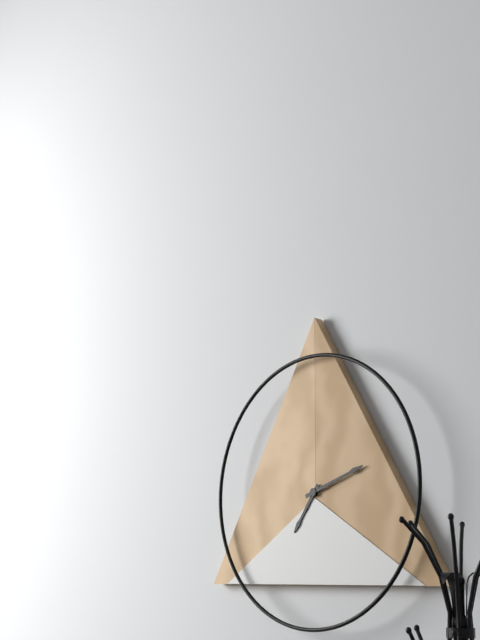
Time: **7:12**
